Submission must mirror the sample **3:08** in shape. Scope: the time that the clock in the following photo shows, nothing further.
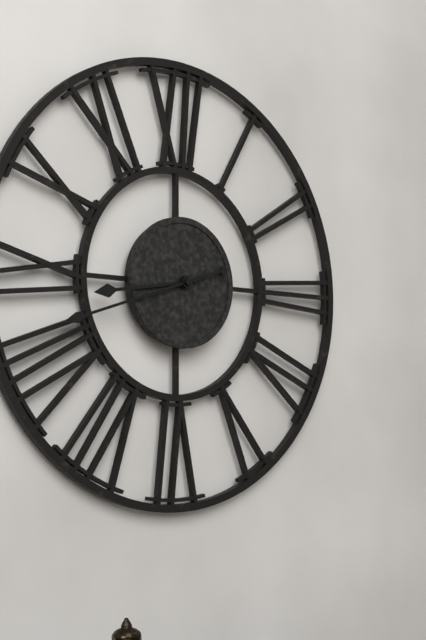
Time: **8:42**
